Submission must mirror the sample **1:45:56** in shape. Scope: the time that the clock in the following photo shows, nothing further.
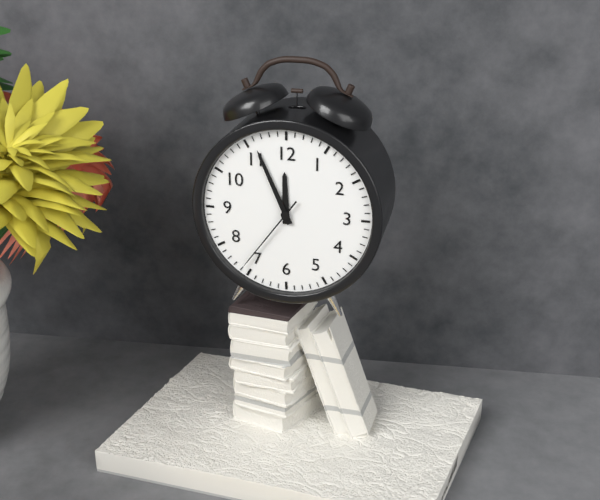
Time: **11:56:36**
